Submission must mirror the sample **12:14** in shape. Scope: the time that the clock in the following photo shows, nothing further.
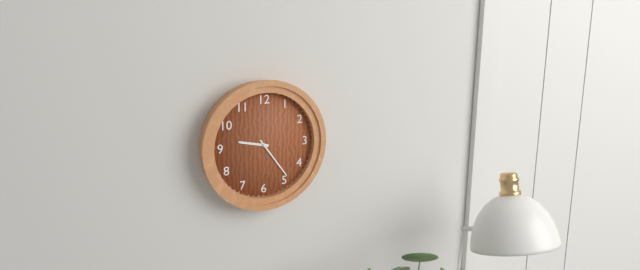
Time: **9:24**
